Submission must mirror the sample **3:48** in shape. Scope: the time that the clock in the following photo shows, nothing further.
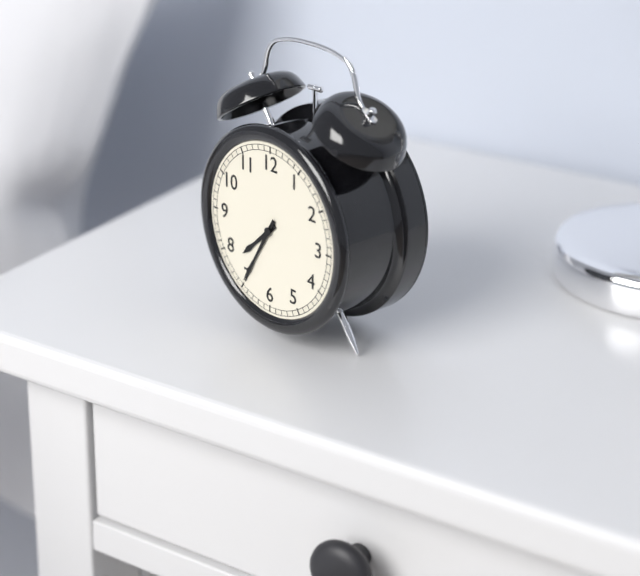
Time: **7:35**
